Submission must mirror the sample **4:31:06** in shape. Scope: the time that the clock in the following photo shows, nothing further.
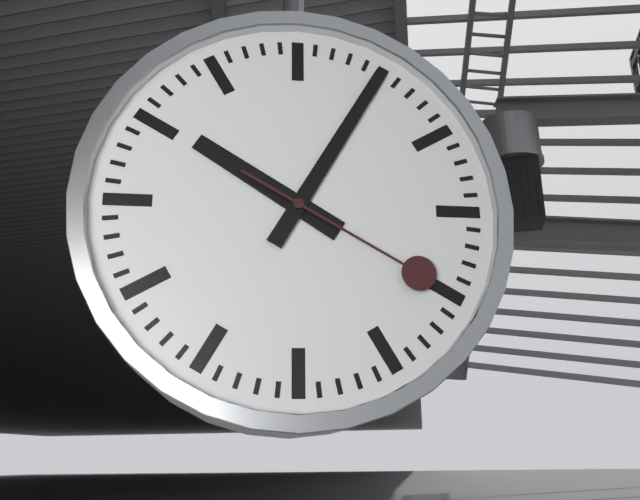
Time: **10:05:20**
